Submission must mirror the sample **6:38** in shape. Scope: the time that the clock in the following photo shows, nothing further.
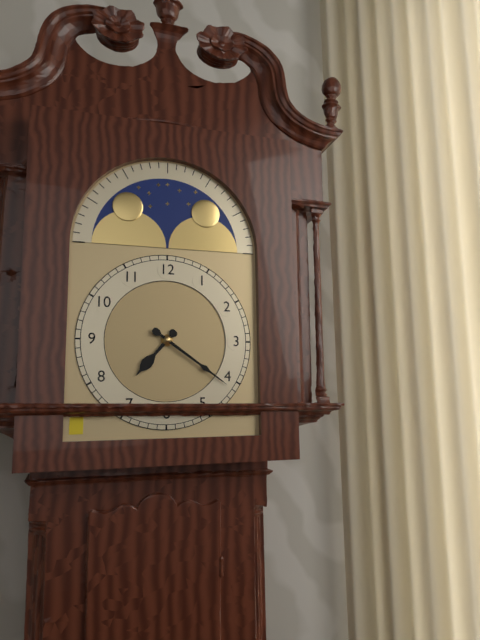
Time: **7:21**
